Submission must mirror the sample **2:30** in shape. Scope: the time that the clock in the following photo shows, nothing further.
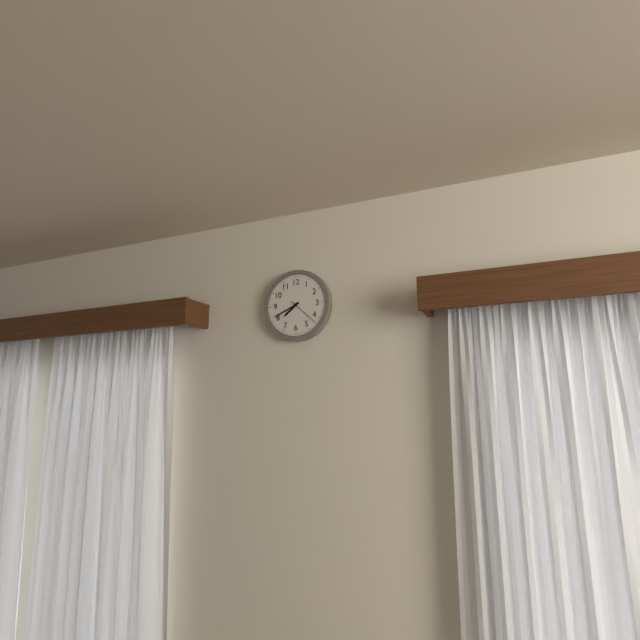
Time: **7:41**
